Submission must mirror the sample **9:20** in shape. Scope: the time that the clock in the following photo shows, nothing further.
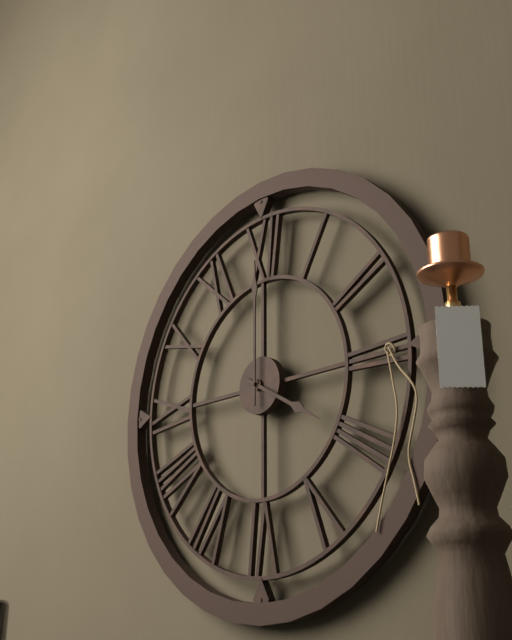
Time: **4:00**
